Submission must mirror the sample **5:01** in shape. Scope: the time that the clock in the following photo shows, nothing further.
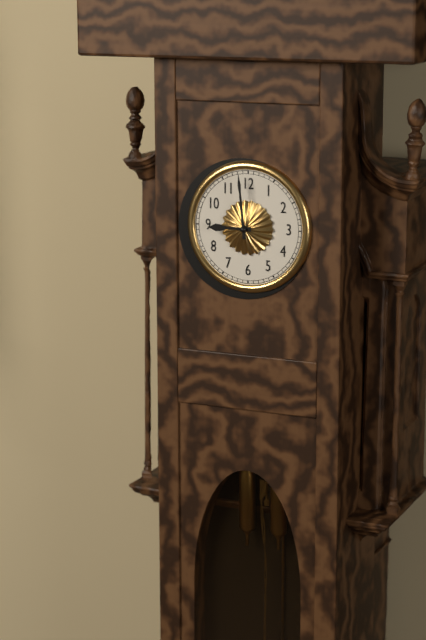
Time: **8:59**
